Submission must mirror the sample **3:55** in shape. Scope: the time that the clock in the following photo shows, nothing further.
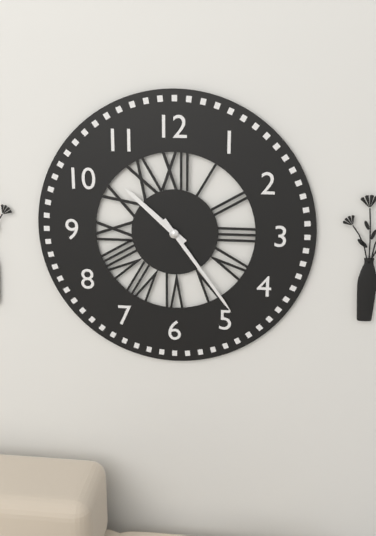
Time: **10:24**
